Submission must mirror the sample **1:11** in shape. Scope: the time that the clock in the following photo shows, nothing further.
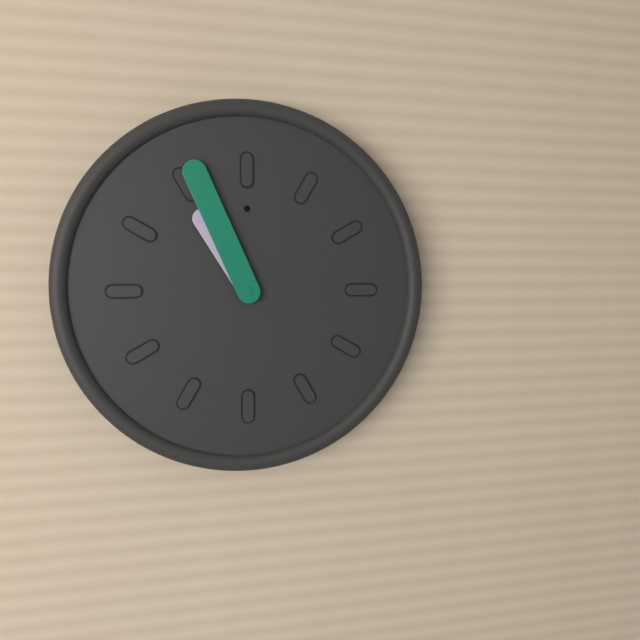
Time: **10:56**
